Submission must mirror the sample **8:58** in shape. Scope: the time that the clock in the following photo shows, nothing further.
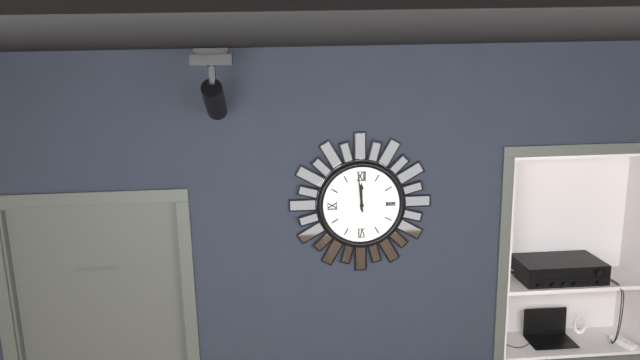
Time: **11:59**
